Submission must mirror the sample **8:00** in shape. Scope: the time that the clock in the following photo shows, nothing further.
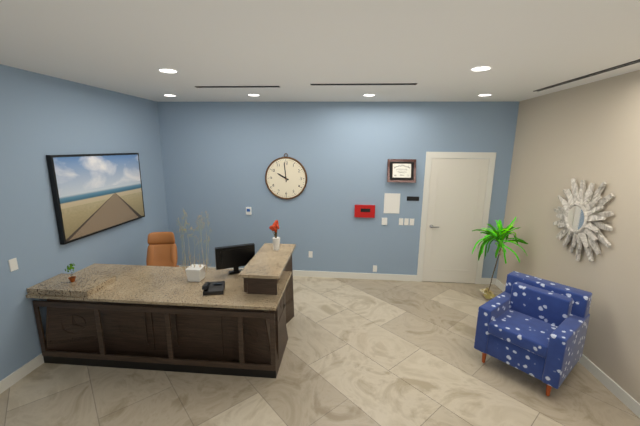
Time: **9:59**
